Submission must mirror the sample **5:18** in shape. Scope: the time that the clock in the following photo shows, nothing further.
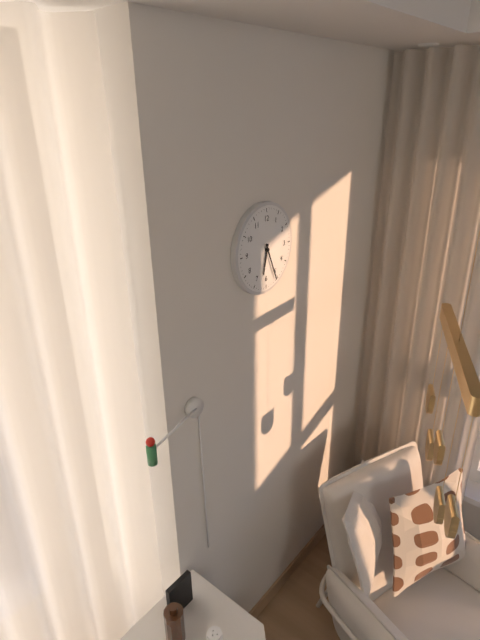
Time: **6:26**
